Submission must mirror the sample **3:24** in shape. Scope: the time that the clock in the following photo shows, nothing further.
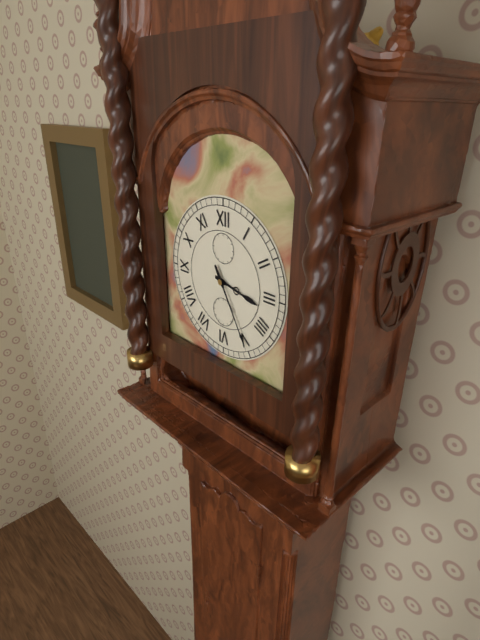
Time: **3:25**
